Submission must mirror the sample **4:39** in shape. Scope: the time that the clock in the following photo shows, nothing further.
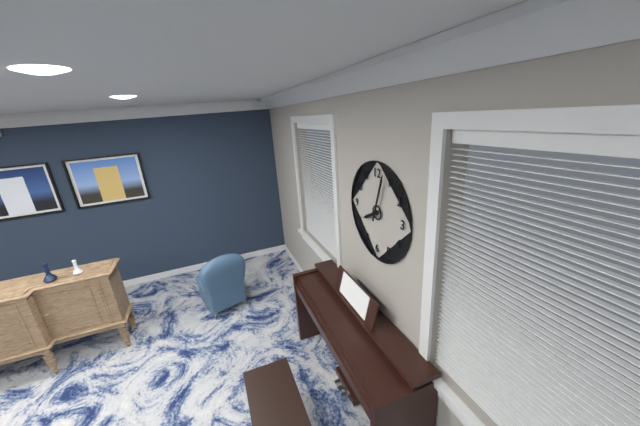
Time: **8:03**
